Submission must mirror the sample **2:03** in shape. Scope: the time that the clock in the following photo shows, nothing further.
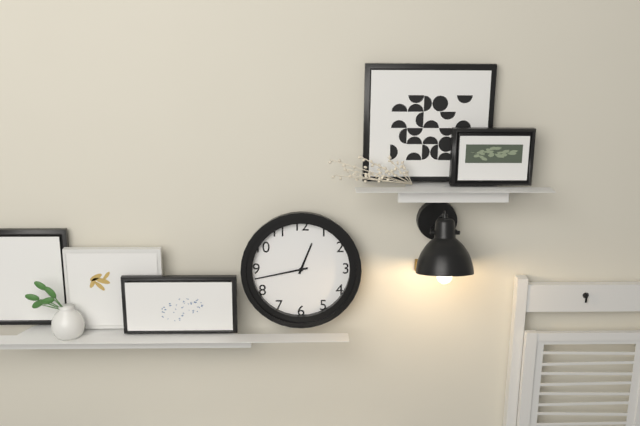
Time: **12:43**
